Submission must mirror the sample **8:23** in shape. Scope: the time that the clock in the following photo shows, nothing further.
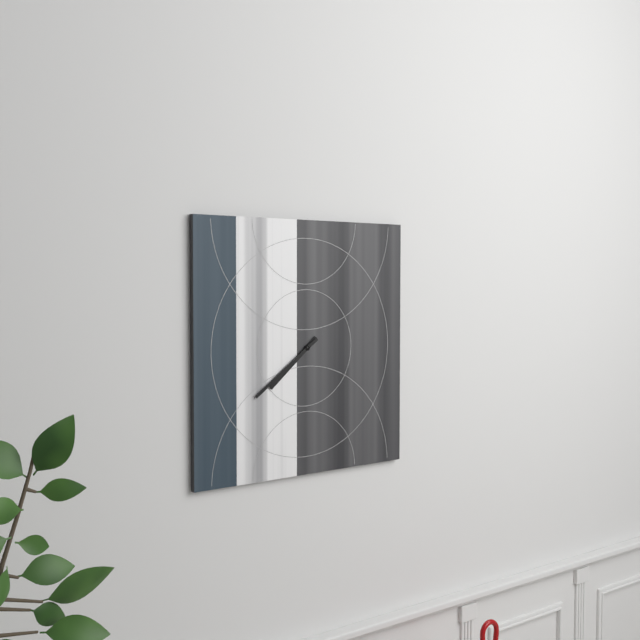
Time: **7:39**
